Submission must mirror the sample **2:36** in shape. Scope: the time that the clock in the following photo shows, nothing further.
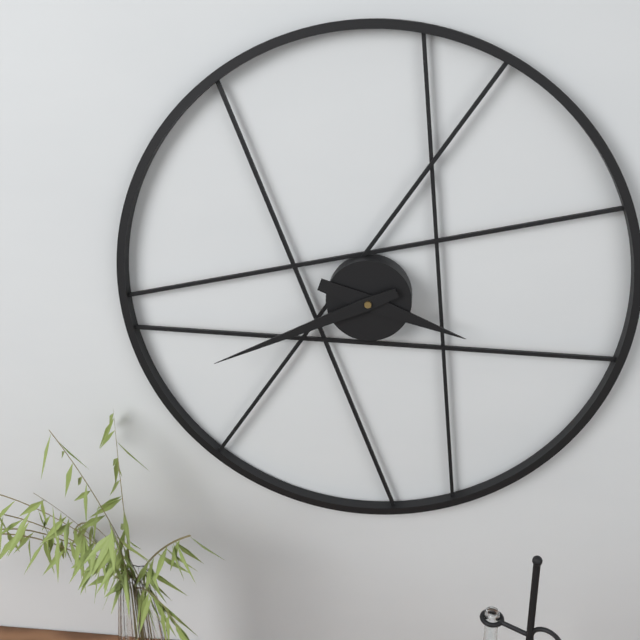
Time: **3:41**
